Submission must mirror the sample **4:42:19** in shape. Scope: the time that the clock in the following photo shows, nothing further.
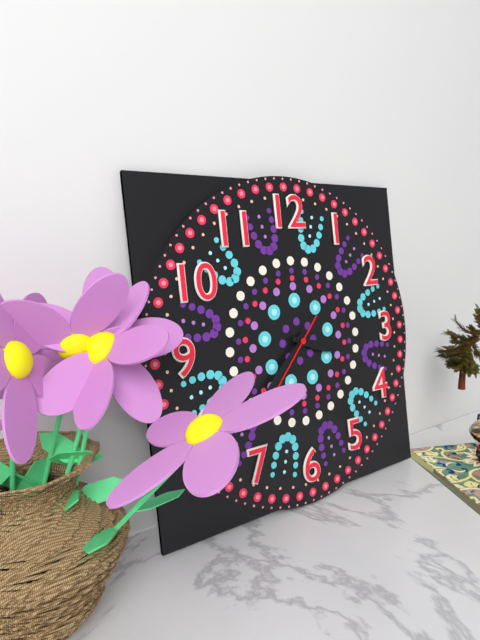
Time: **3:38:37**
